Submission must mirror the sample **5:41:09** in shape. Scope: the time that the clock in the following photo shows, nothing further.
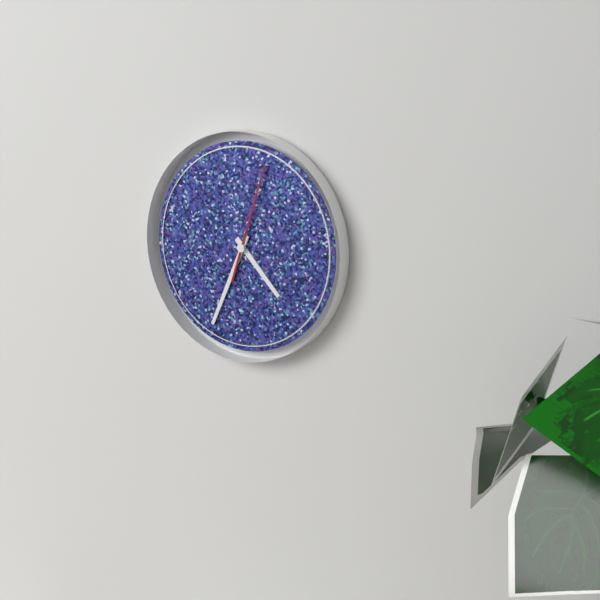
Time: **4:34:03**
